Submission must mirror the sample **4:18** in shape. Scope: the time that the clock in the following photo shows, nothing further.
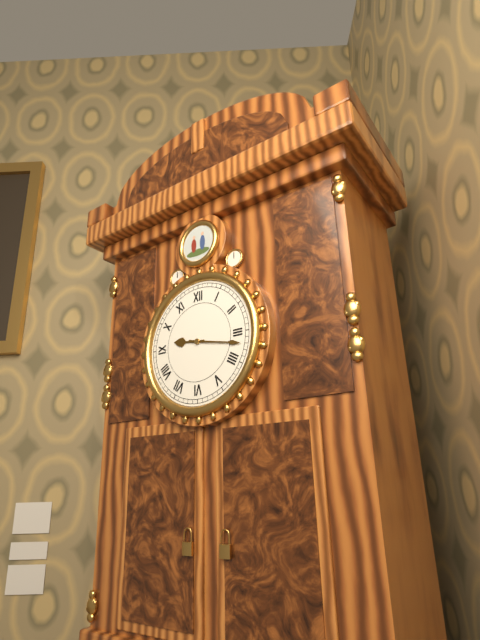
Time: **9:17**
